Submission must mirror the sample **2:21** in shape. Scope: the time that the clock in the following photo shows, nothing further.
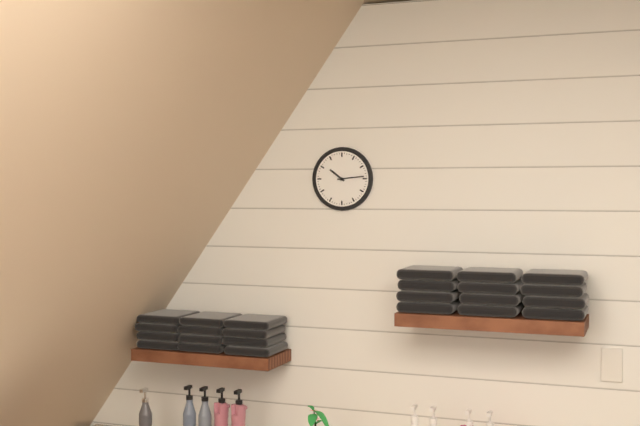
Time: **10:14**
